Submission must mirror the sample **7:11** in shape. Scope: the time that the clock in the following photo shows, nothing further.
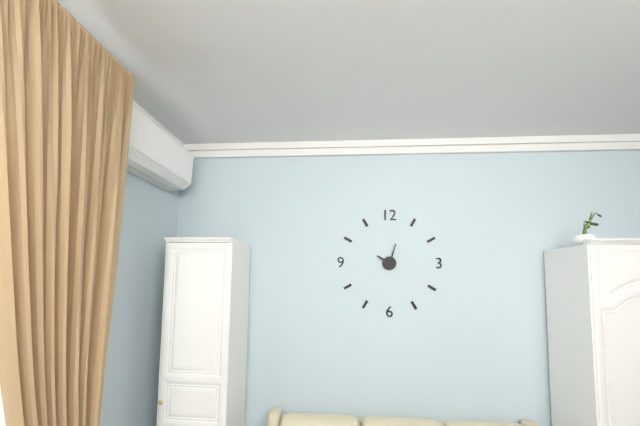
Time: **10:03**
